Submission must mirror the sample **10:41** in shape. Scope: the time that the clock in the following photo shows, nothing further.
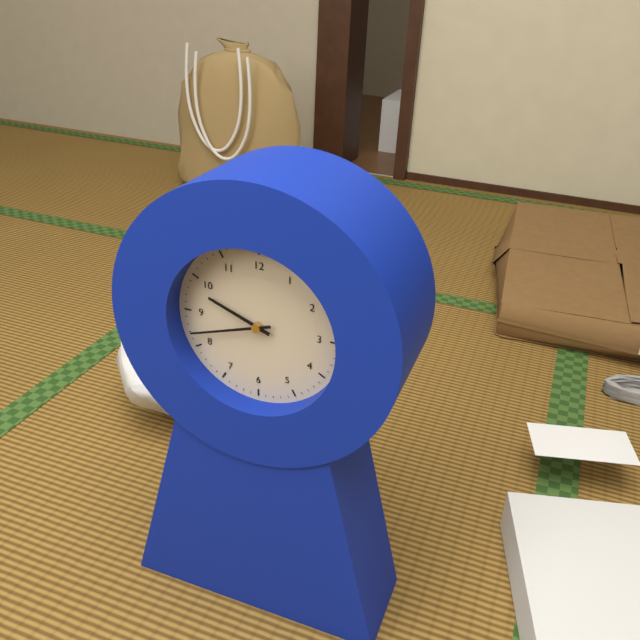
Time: **9:42**
